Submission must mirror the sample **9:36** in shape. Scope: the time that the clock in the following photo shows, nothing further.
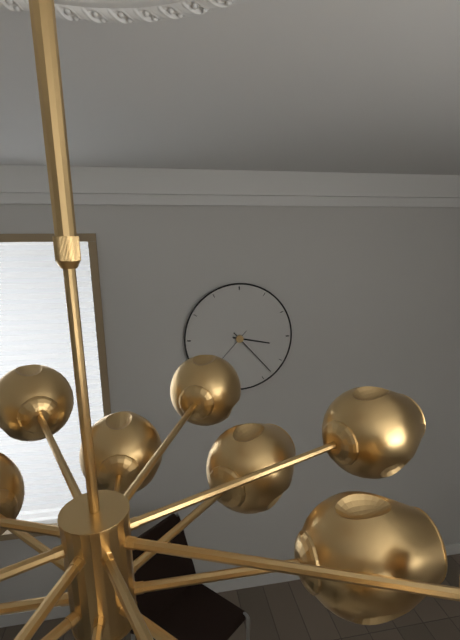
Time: **3:23**
